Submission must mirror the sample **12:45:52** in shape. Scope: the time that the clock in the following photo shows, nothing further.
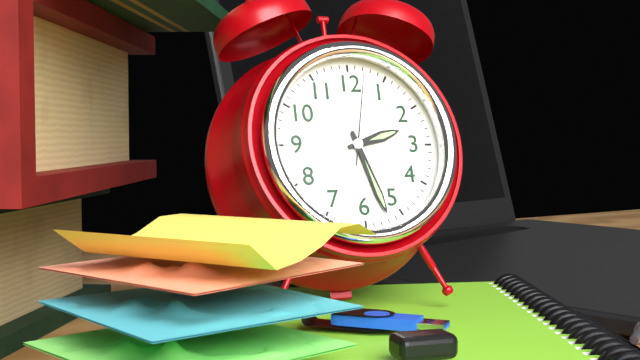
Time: **2:27:02**
